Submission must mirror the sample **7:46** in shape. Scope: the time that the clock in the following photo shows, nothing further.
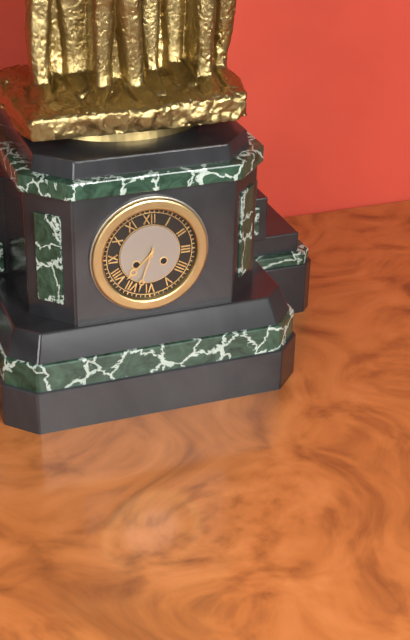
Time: **7:33**
